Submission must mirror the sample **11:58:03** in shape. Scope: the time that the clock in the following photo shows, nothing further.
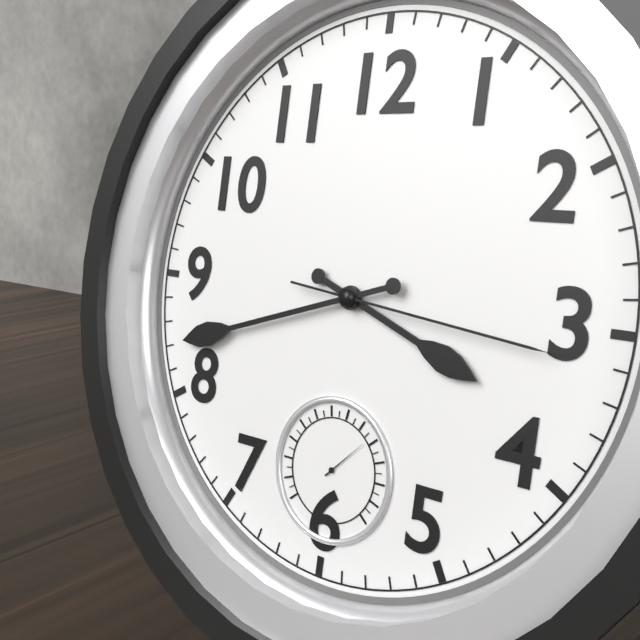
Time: **3:42:16**
